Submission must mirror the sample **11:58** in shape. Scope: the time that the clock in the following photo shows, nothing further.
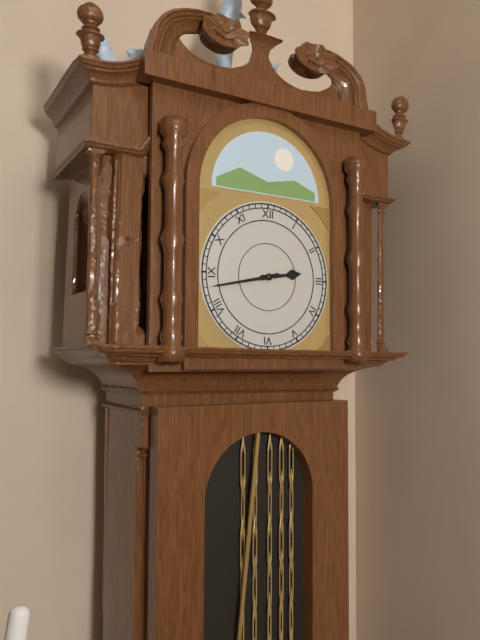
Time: **2:43**
